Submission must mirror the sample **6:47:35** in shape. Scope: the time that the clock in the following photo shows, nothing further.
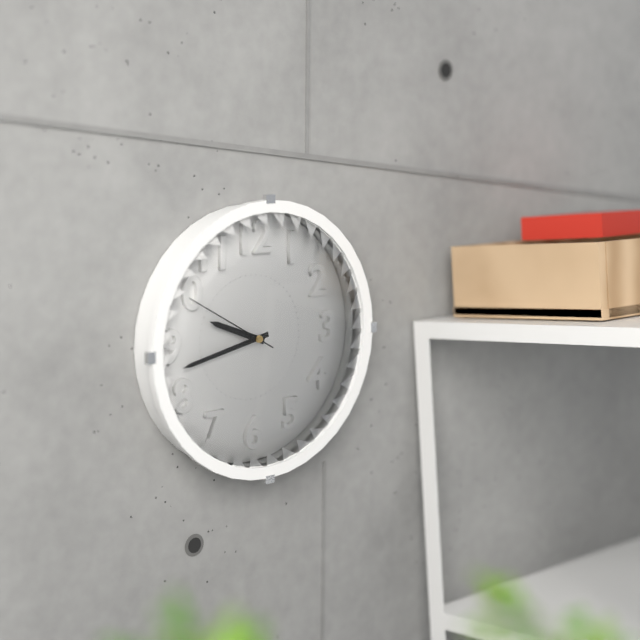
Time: **9:43:50**
